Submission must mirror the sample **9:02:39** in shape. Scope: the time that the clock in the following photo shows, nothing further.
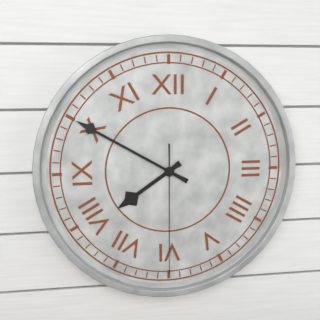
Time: **7:50:30**
